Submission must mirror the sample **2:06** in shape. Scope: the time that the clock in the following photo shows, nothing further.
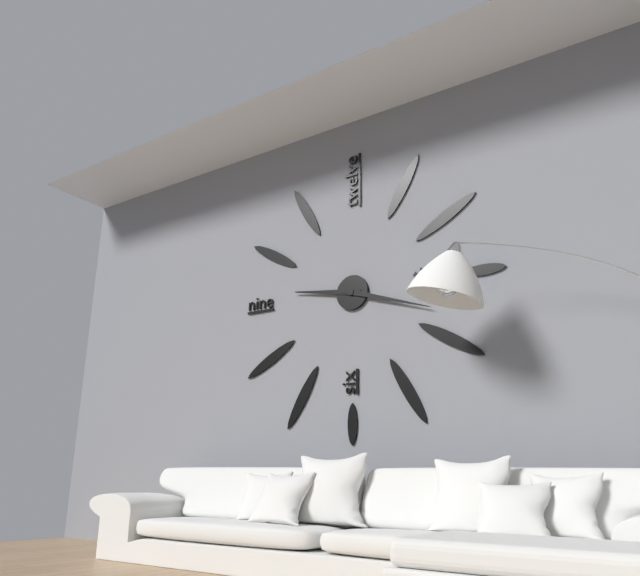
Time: **9:18**
